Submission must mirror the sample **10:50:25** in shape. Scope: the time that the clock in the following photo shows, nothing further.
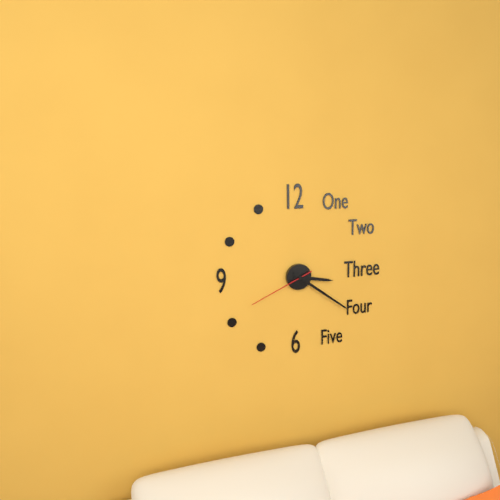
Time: **3:21:41**
